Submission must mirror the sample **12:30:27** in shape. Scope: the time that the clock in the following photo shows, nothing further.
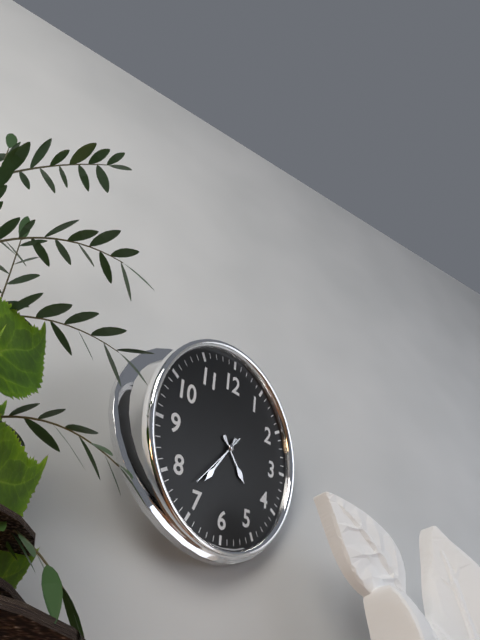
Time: **4:36:37**
